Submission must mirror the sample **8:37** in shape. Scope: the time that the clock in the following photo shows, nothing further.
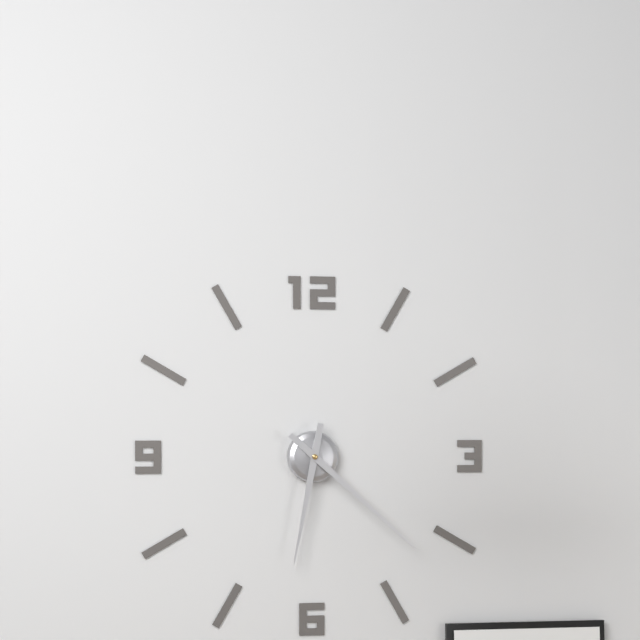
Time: **6:22**
